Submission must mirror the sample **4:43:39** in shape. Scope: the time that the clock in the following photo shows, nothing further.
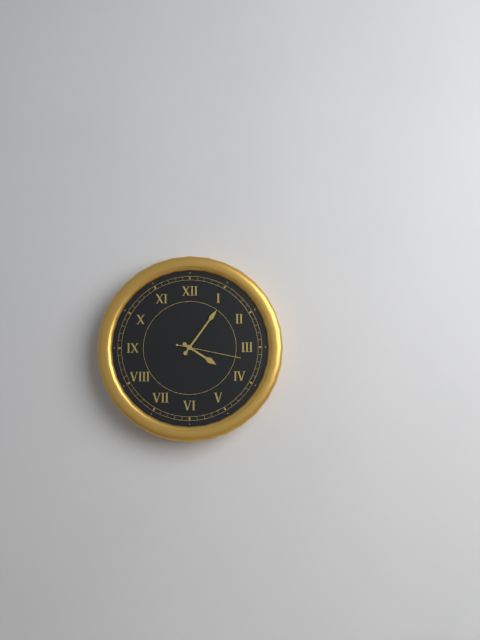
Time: **4:06:17**
